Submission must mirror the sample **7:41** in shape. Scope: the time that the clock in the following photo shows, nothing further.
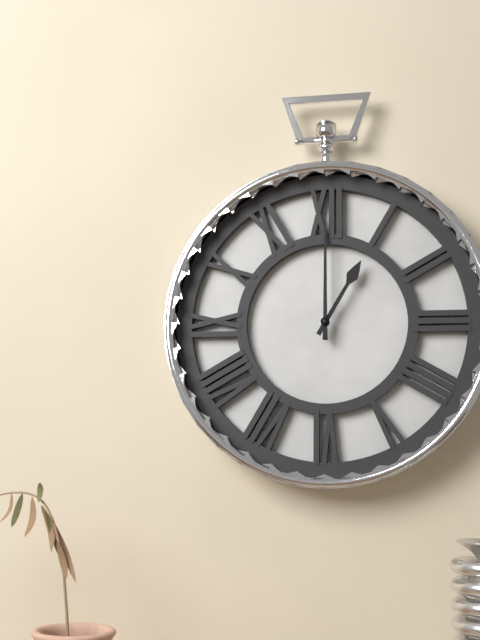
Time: **1:00**
